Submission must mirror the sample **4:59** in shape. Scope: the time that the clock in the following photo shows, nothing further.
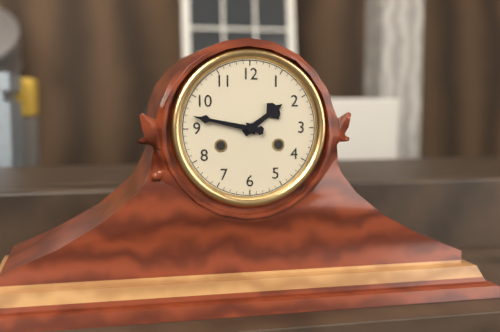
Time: **1:47**
